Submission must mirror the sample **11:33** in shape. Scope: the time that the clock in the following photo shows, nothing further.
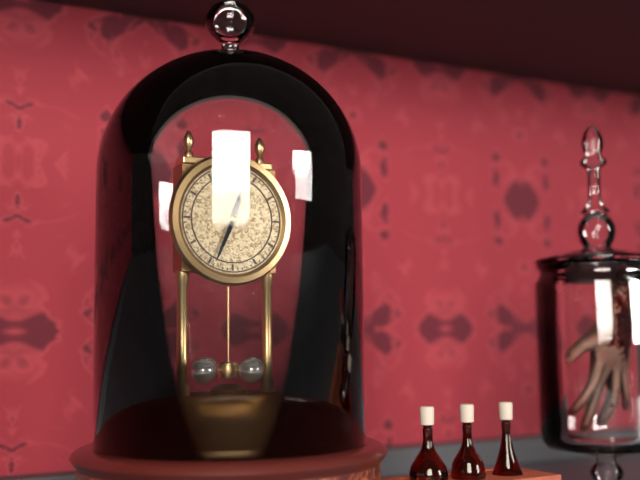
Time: **12:34**
